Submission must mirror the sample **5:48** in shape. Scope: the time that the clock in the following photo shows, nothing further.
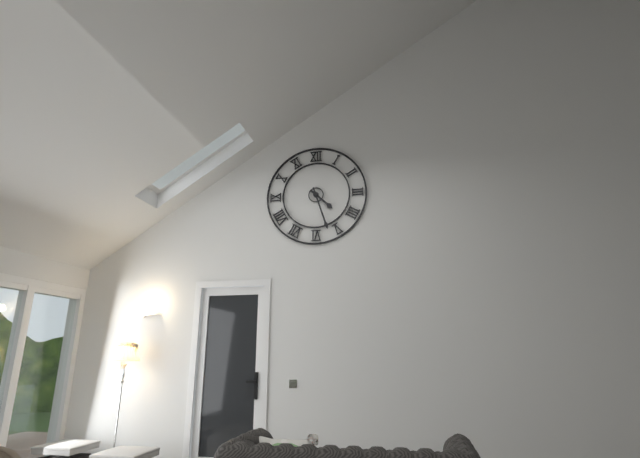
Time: **4:27**
